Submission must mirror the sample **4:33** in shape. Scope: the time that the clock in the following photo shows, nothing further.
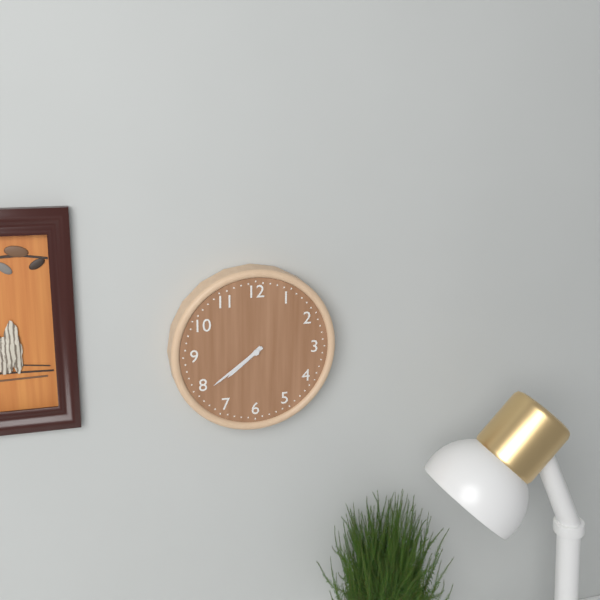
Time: **7:39**
